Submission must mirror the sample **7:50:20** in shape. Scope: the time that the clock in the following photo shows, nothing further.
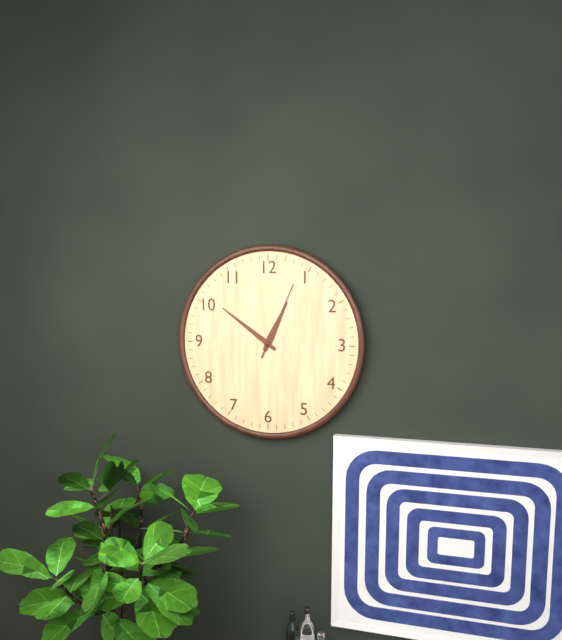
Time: **12:51:04**
